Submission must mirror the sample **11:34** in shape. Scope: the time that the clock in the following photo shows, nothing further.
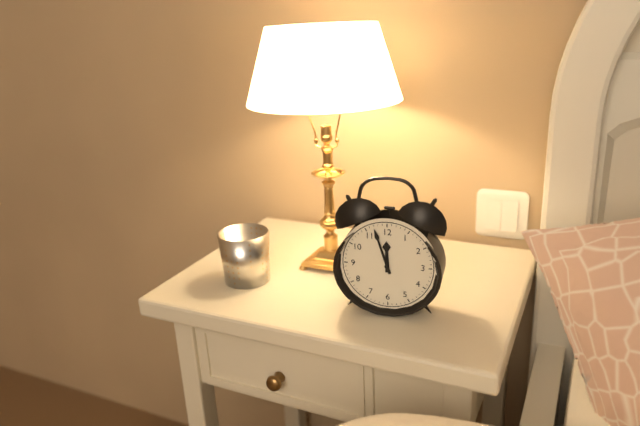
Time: **11:57**
